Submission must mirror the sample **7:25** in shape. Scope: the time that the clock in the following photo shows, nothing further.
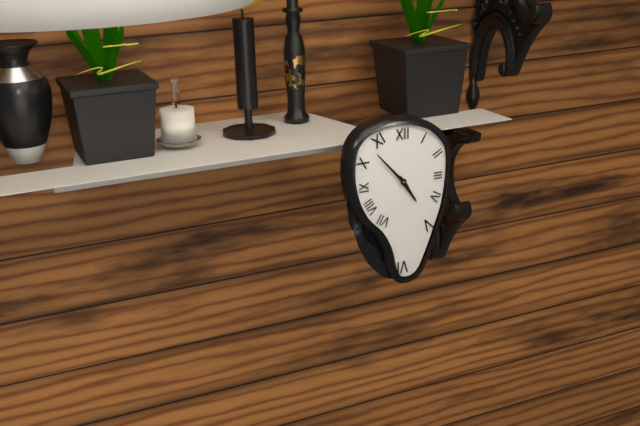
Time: **4:53**
